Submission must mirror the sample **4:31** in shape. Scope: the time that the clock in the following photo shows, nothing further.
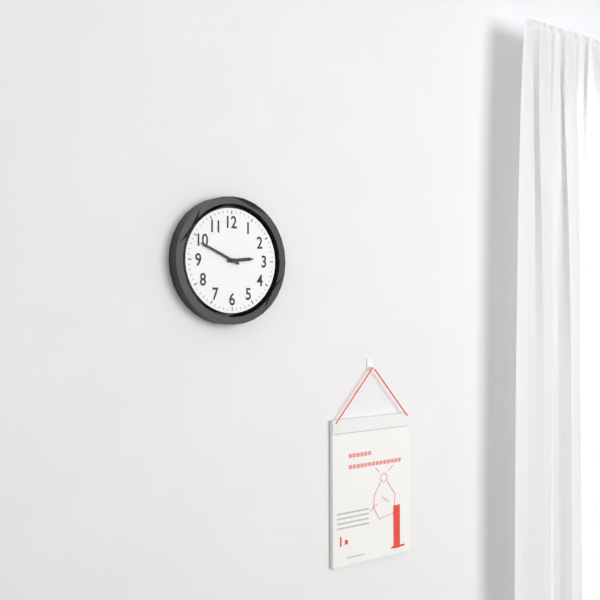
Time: **2:49**
